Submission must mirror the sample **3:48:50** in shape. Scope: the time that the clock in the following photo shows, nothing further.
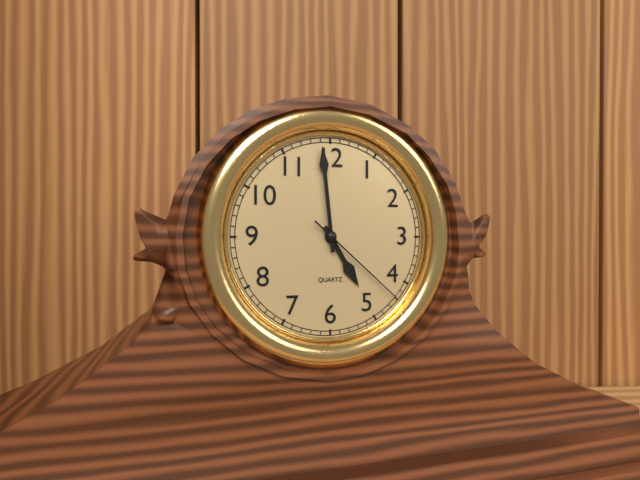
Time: **4:59:22**
